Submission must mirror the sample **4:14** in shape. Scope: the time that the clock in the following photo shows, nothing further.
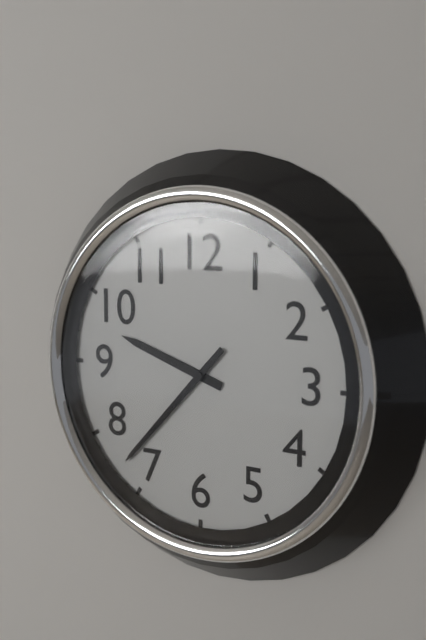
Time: **9:37**
